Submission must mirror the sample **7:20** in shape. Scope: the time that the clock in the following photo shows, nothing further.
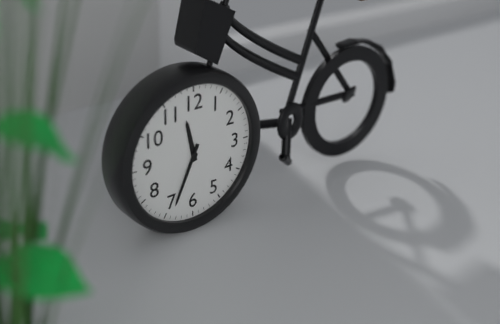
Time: **11:34**
